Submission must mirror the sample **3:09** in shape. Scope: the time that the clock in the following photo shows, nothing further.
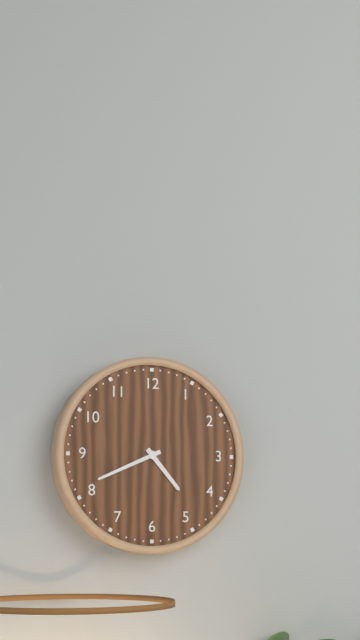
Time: **4:41**
